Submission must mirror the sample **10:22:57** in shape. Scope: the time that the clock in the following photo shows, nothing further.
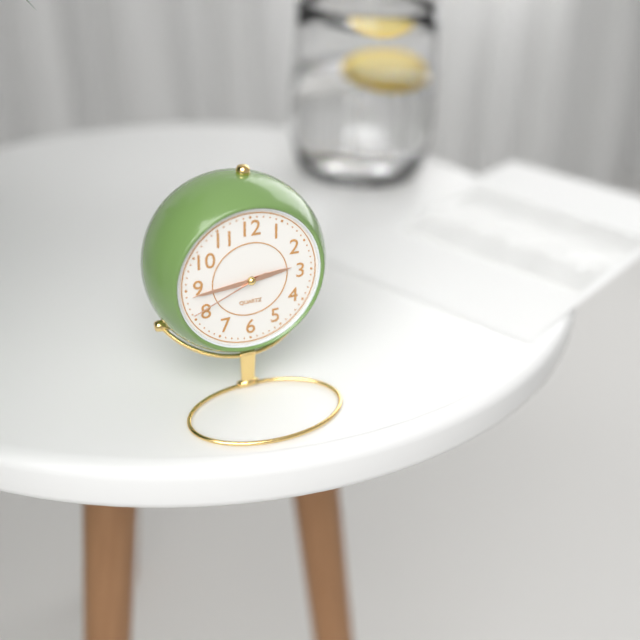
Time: **2:44:41**
